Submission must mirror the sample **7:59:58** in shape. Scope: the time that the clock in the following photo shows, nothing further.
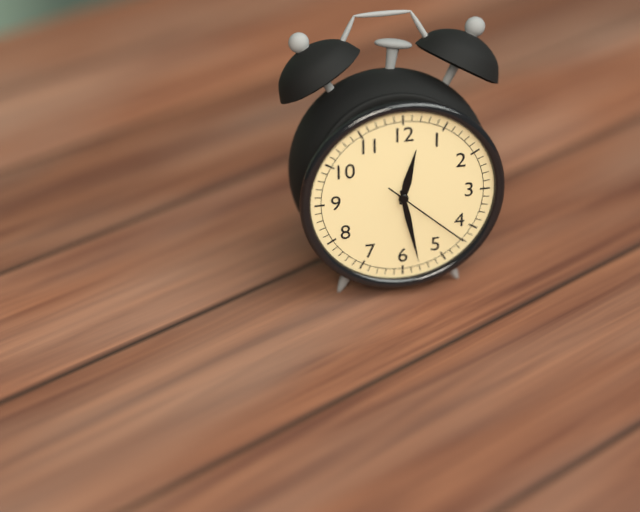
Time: **12:28:22**
